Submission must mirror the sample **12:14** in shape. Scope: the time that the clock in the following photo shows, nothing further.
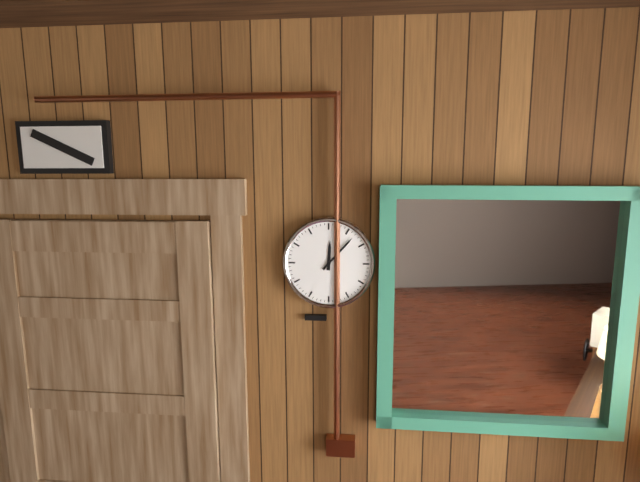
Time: **12:07**
